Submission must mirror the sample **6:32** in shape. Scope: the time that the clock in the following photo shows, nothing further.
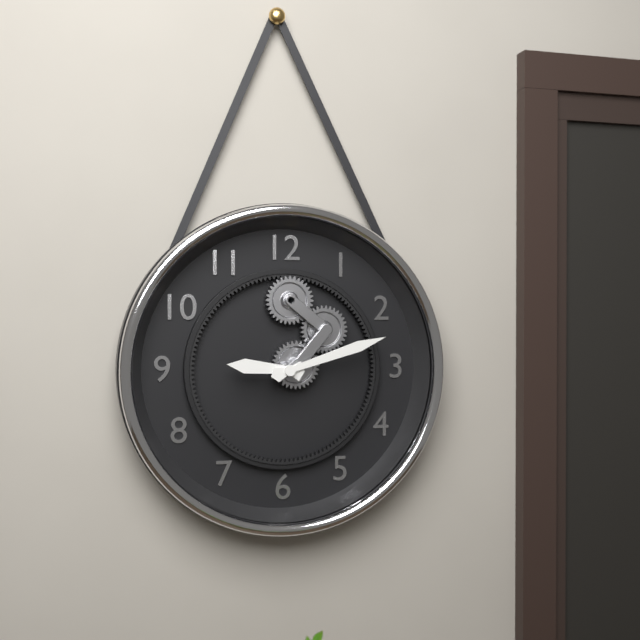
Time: **9:12**
